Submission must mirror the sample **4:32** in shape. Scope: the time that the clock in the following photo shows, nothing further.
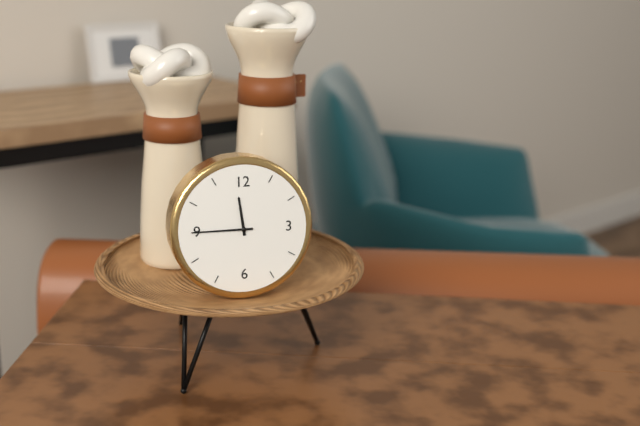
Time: **11:45**
